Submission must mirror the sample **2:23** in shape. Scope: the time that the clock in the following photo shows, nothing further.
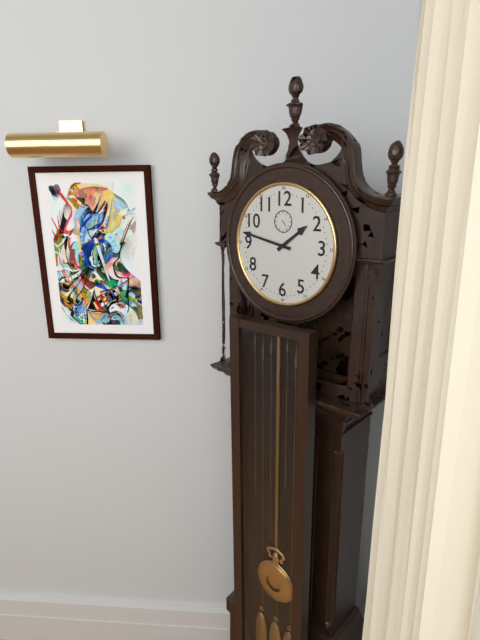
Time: **1:47**
